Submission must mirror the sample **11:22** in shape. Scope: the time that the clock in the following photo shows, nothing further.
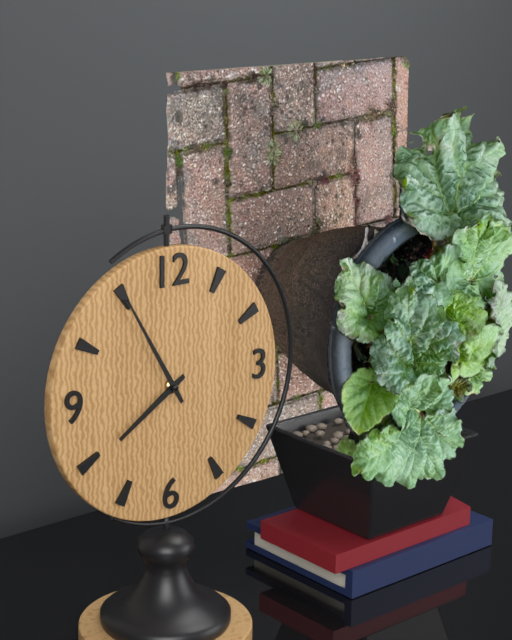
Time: **7:55**
